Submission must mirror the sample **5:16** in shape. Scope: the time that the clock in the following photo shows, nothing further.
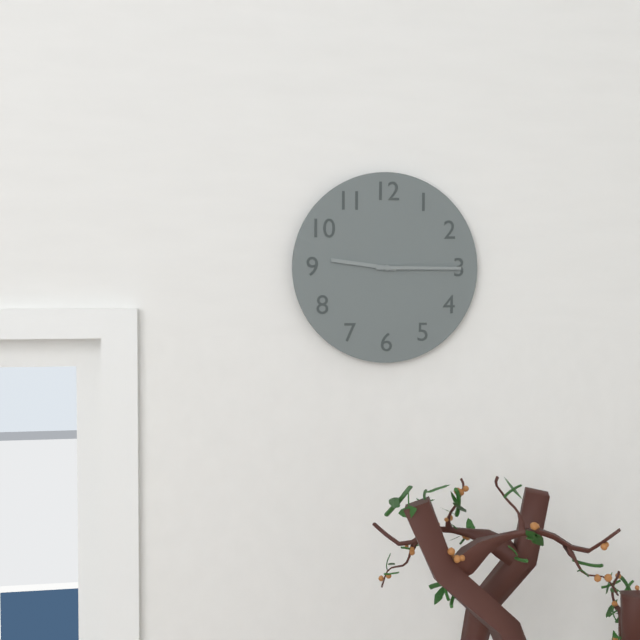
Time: **9:15**
